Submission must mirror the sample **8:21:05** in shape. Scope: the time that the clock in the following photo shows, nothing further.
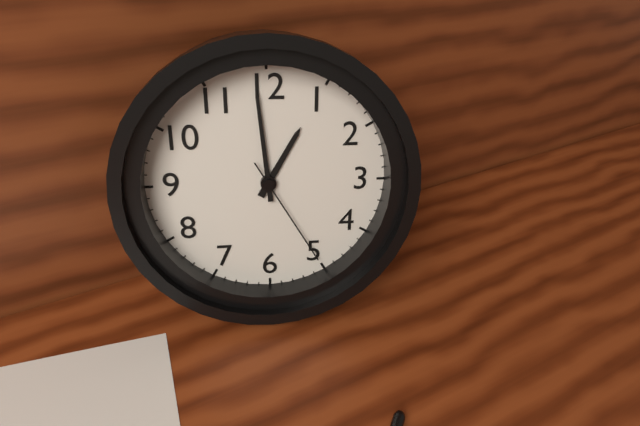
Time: **12:59:25**
